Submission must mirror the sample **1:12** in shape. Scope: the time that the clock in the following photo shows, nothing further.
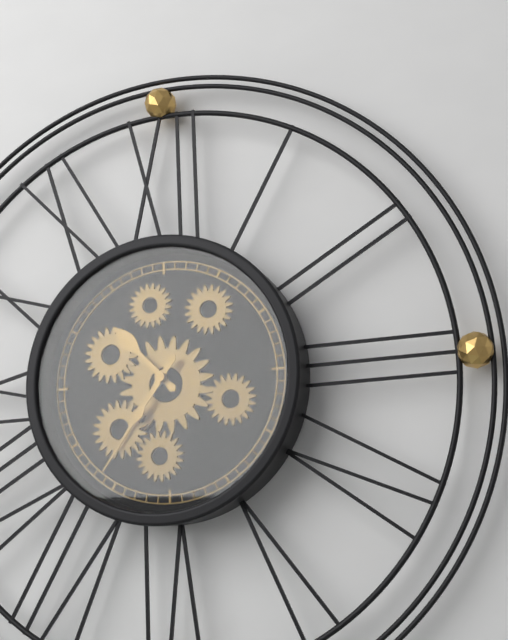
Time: **10:36**
